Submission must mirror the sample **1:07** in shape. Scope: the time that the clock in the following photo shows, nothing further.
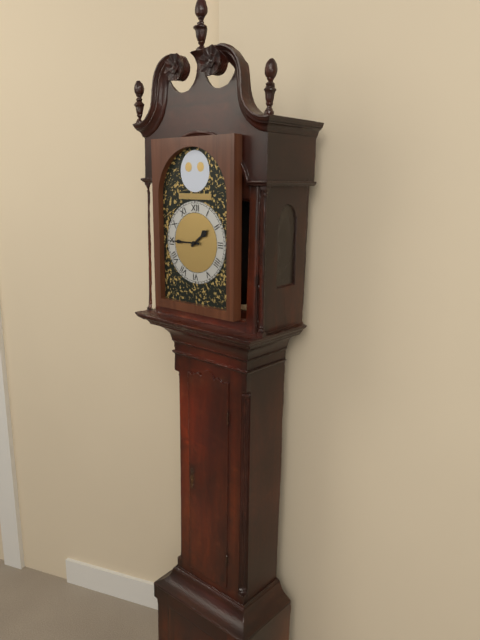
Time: **1:45**
